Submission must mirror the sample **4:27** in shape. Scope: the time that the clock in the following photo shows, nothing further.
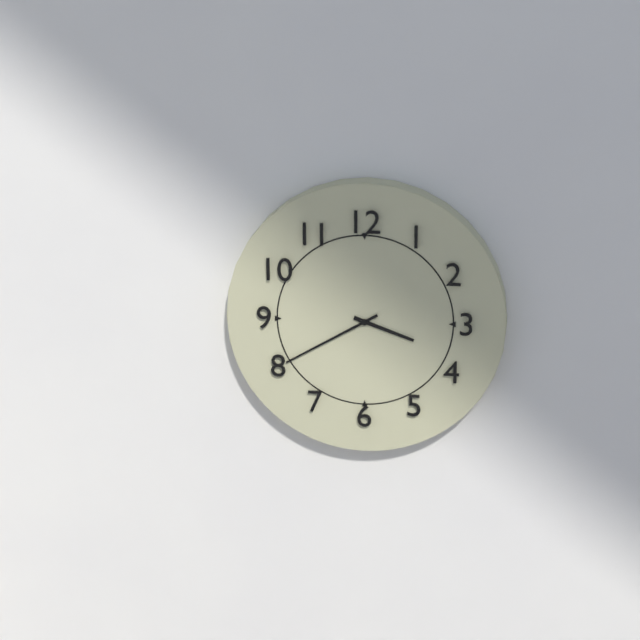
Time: **3:40**
